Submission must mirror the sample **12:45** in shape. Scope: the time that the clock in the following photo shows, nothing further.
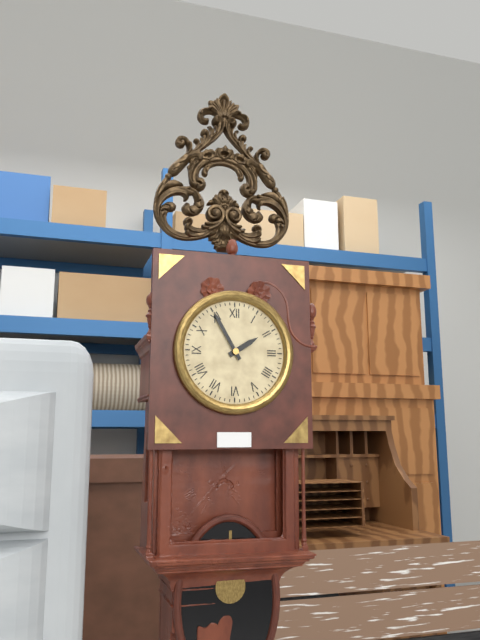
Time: **1:55**
